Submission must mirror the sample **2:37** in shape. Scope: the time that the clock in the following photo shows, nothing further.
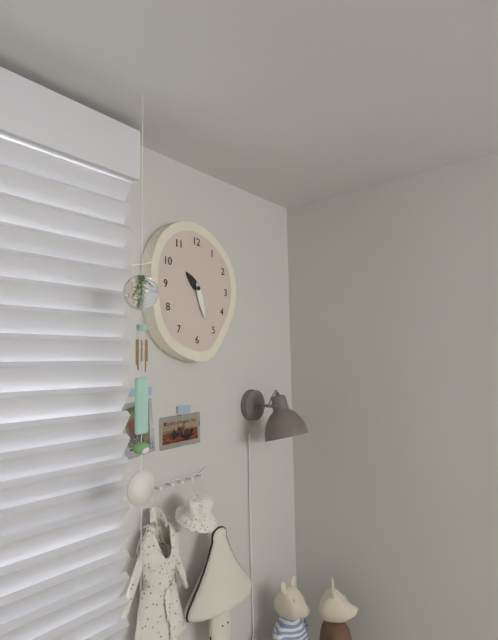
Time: **10:27**
